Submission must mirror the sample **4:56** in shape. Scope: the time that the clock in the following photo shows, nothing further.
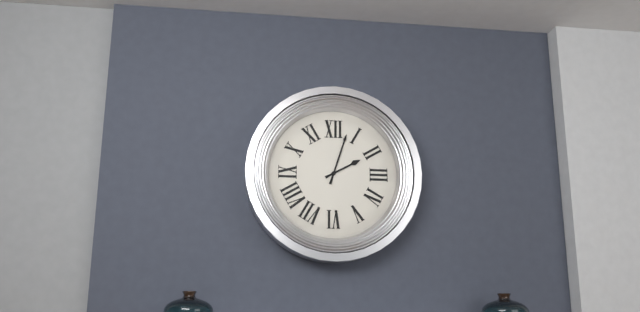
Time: **2:03**
